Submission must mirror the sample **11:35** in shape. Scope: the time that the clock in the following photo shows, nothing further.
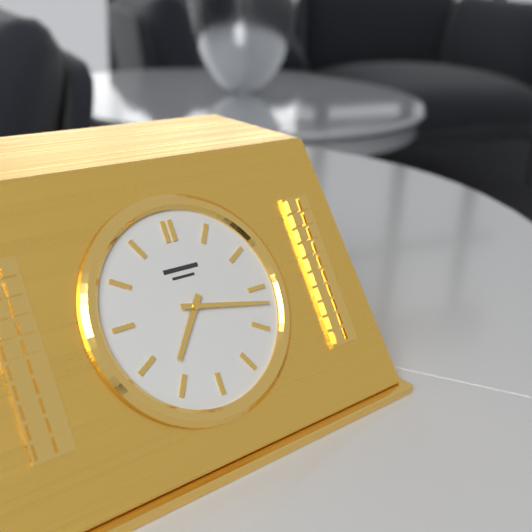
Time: **7:17**
